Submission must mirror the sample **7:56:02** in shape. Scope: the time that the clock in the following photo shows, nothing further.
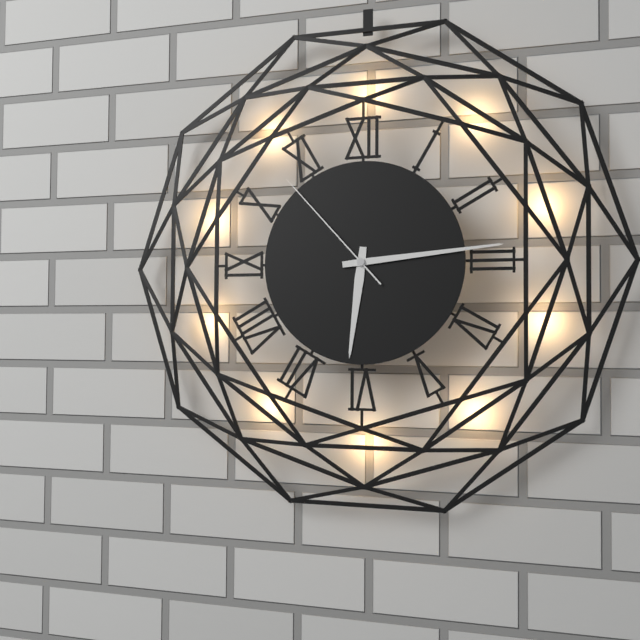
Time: **6:14:53**
